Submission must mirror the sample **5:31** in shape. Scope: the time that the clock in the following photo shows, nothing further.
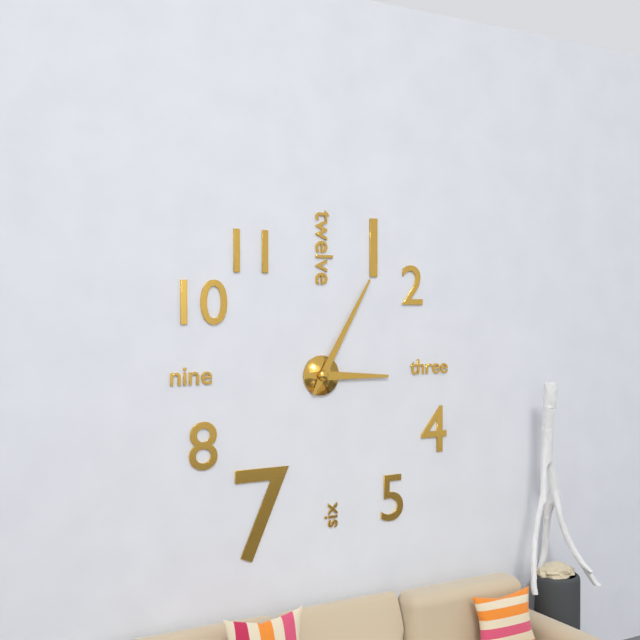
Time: **3:05**
